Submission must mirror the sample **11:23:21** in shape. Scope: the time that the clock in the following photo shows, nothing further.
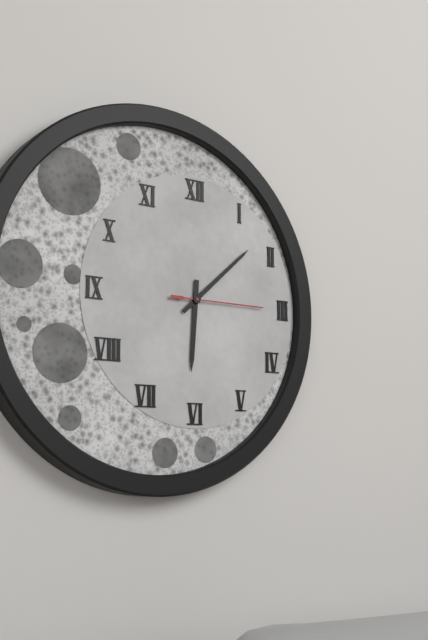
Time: **6:08:15**
